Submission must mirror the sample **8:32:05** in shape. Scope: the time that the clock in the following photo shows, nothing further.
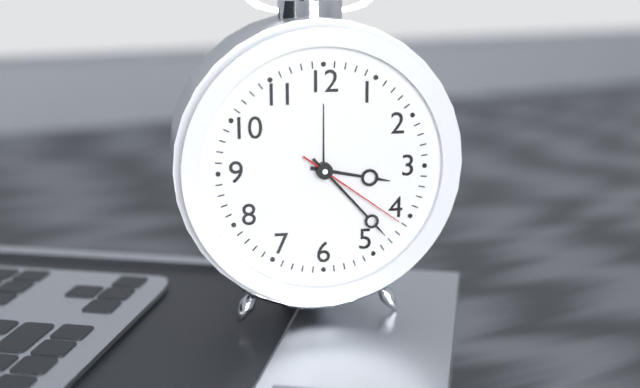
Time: **3:23:21**
